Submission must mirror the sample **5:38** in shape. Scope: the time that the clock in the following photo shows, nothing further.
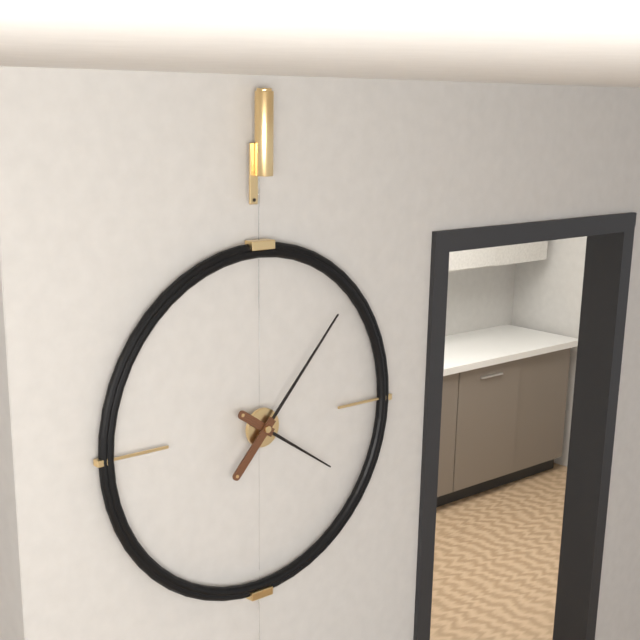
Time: **4:07**
